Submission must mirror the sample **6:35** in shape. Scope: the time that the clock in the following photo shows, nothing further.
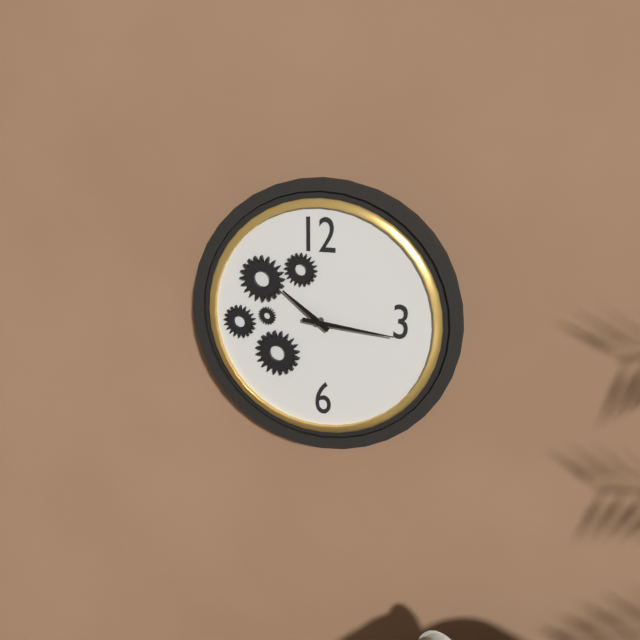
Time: **10:16**
